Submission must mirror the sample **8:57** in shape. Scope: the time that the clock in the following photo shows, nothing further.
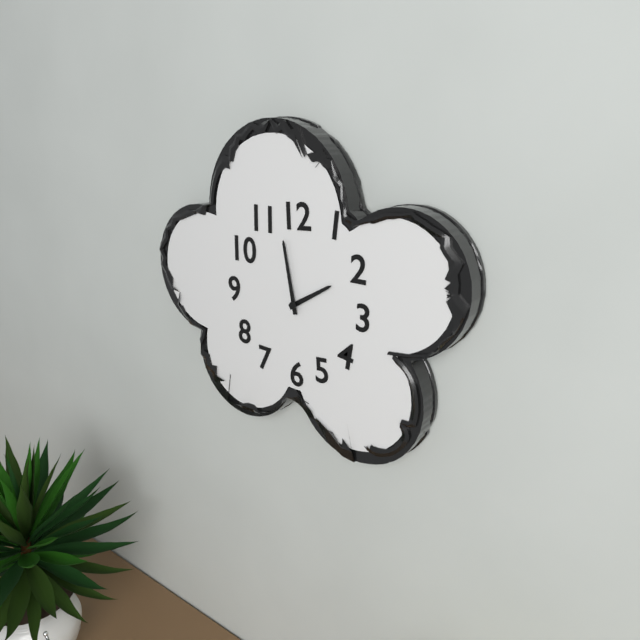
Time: **1:58**
